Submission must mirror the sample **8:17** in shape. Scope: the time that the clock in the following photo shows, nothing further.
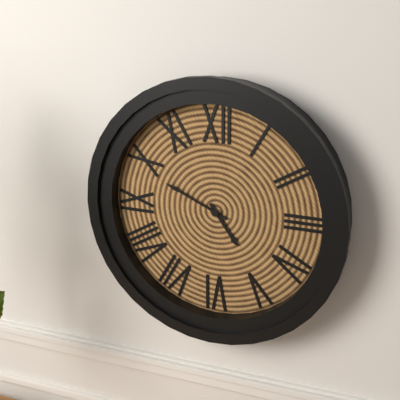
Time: **4:49**
